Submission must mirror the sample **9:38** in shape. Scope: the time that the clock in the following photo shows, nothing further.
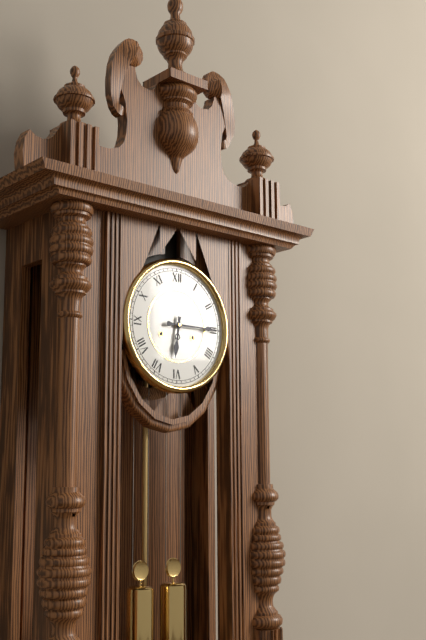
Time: **6:15**
